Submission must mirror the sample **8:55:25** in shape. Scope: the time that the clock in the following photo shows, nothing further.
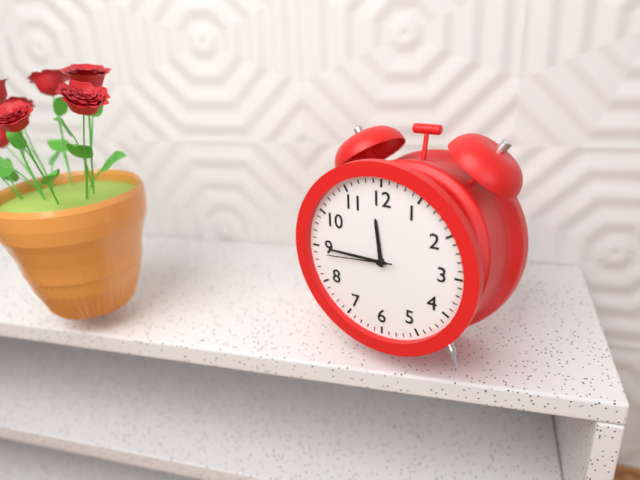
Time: **11:45:44**
